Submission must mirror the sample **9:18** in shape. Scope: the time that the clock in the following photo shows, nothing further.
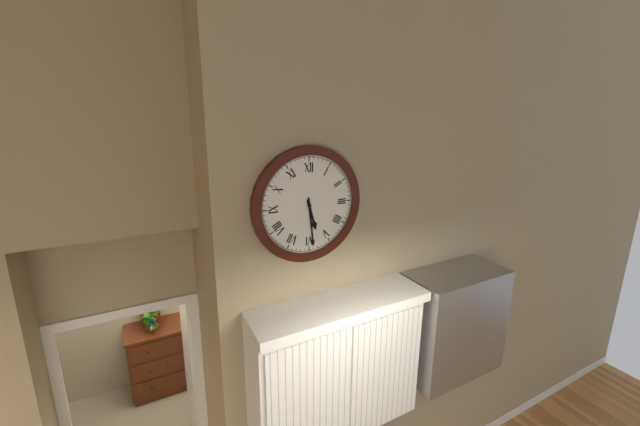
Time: **5:29**
